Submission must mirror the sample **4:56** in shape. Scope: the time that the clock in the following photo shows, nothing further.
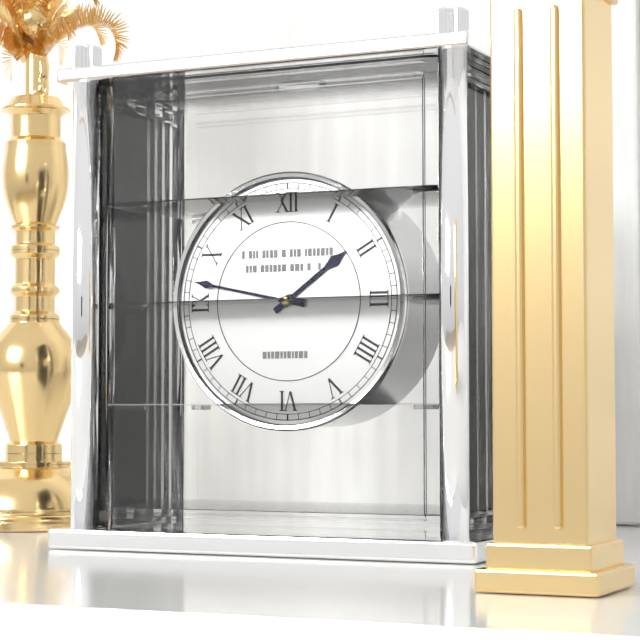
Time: **1:47**
